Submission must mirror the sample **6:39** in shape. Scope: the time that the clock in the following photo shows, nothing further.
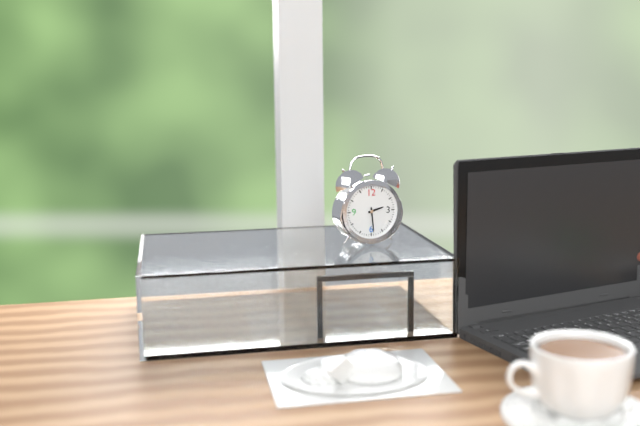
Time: **2:29**
